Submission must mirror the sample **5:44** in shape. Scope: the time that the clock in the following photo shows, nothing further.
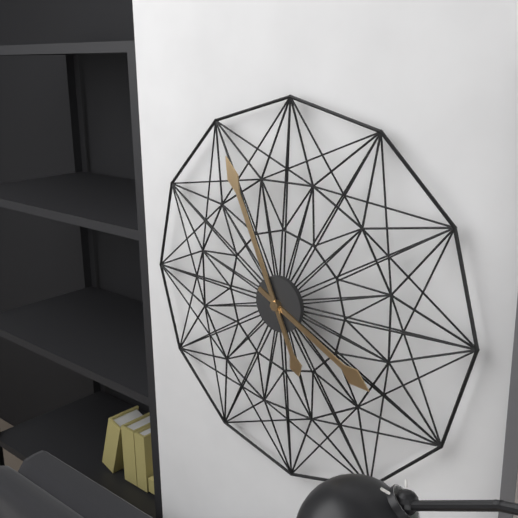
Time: **3:56**
